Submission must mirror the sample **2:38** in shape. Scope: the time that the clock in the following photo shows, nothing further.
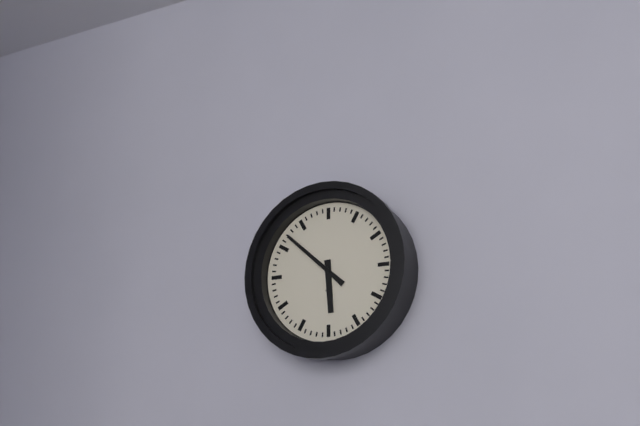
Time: **5:52**
